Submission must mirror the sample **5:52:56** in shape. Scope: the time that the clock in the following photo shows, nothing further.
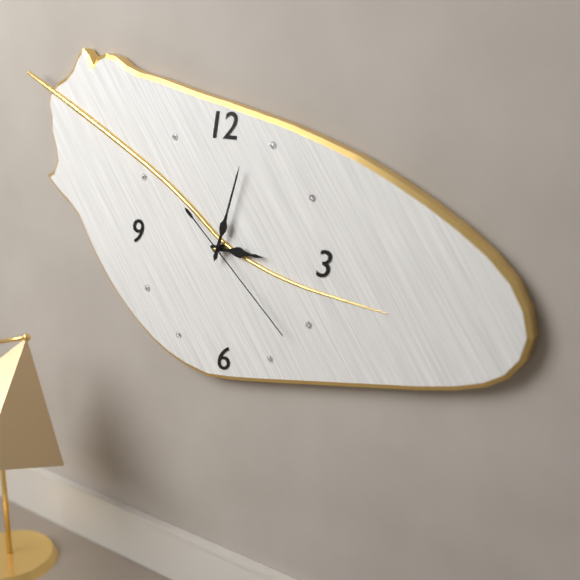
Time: **3:03:22**
